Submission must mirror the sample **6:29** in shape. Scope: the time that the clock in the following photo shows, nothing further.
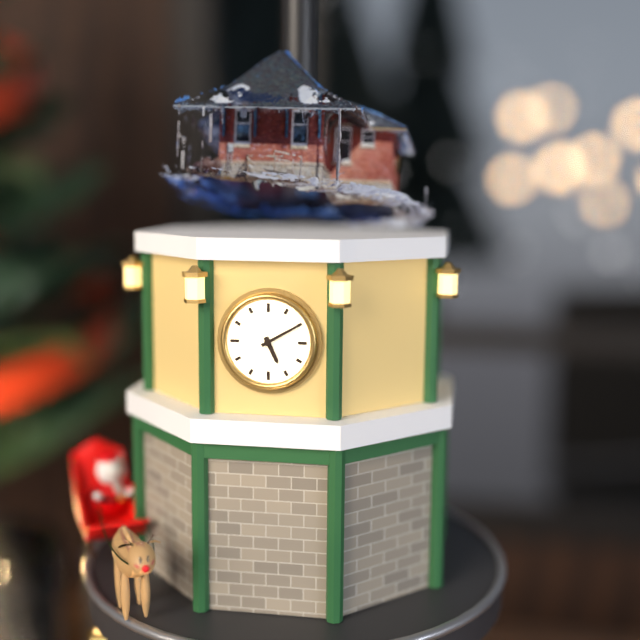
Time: **5:10**
